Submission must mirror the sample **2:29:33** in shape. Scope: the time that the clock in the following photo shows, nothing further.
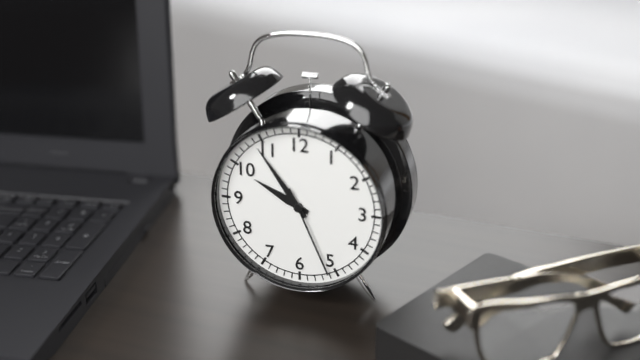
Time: **9:54:26**
